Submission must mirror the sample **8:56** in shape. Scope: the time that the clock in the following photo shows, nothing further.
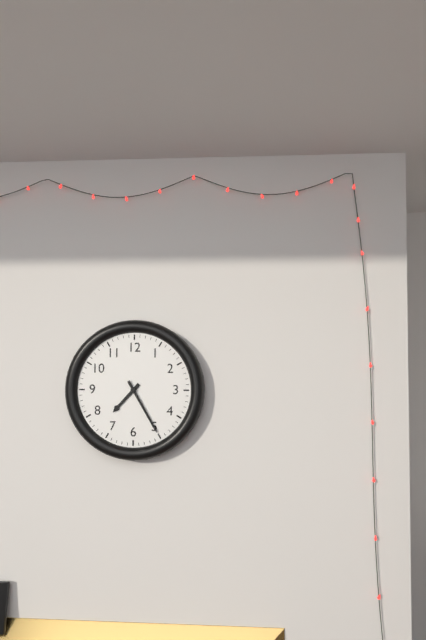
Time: **7:25**
